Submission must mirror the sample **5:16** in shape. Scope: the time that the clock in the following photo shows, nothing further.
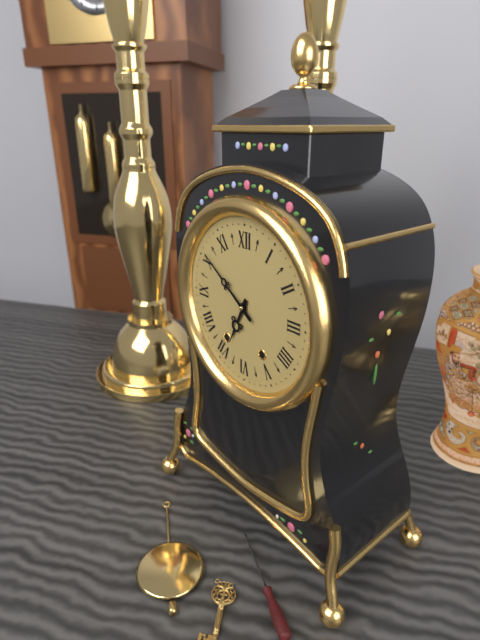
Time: **6:51**
